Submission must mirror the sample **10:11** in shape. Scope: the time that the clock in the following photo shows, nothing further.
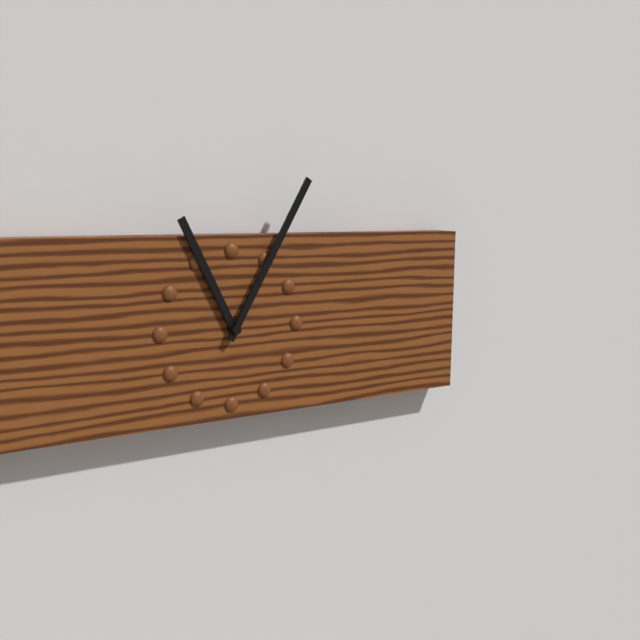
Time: **11:05**
